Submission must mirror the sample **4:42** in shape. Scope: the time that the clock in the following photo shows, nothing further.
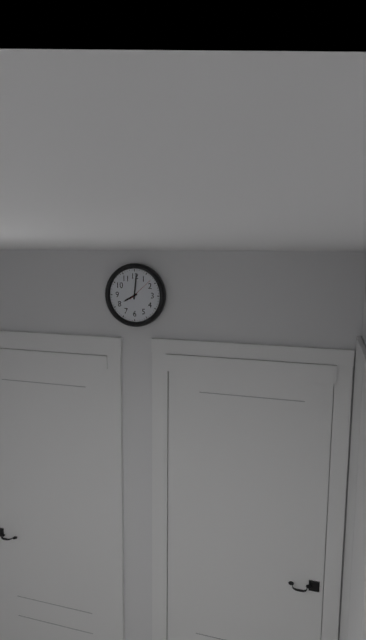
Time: **8:01**
